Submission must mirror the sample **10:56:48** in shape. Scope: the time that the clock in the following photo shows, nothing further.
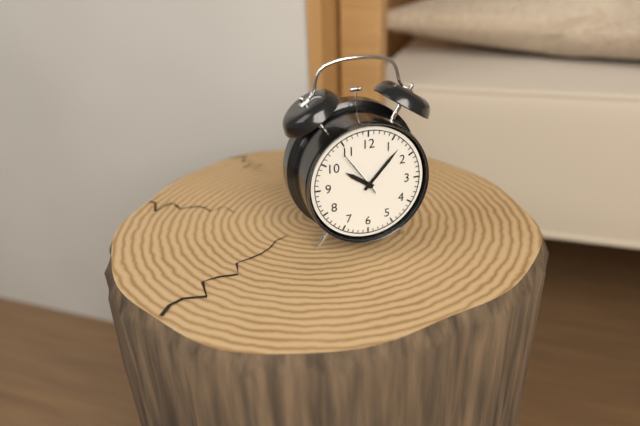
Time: **10:07:54**
